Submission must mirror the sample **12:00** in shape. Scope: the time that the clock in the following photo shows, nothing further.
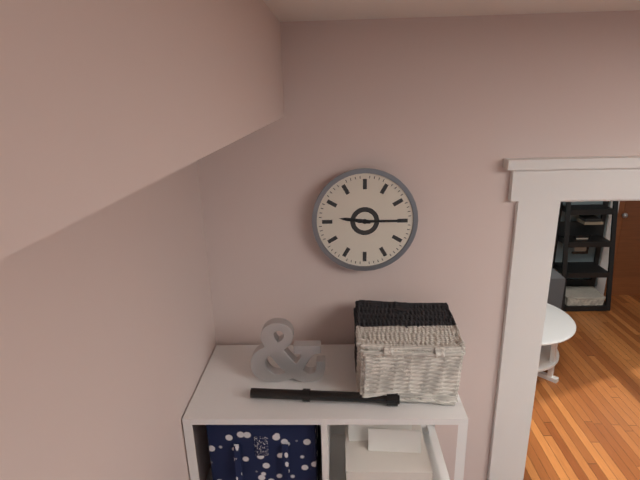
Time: **9:15**
